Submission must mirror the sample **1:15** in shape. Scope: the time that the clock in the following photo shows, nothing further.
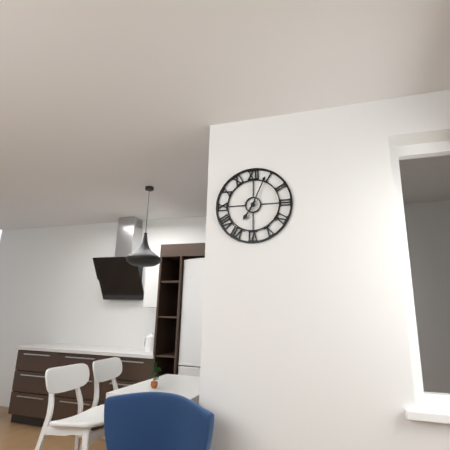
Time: **7:04**
